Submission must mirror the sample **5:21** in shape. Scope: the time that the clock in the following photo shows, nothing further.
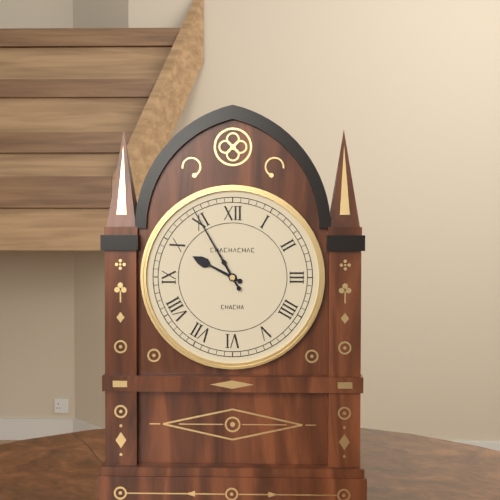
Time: **9:55**
